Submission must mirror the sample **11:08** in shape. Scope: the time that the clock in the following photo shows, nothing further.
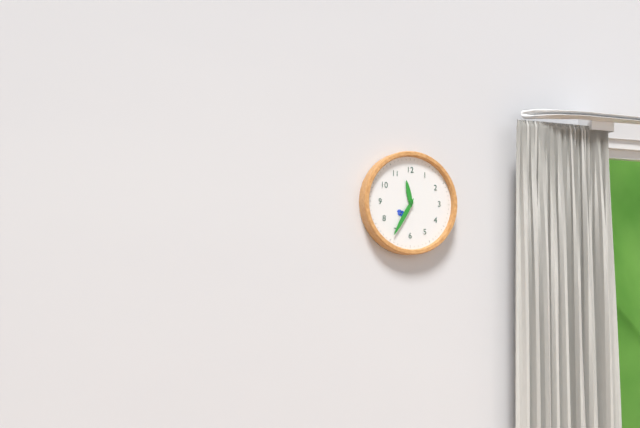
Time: **11:35**
